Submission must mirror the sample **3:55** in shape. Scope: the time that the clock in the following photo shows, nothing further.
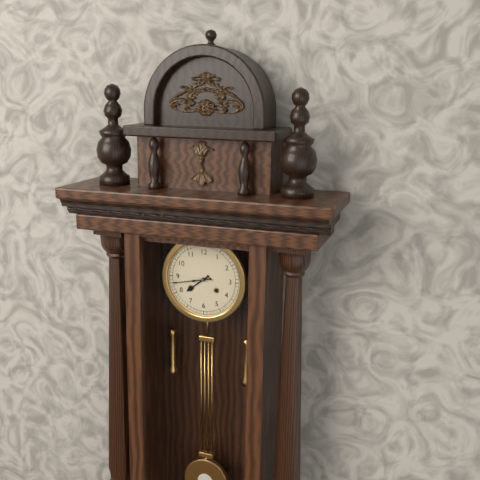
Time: **7:43**
